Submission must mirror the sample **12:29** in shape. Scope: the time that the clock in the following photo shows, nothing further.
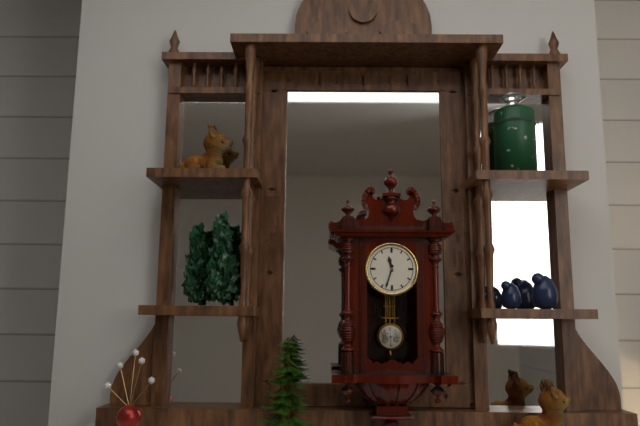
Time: **11:33**
